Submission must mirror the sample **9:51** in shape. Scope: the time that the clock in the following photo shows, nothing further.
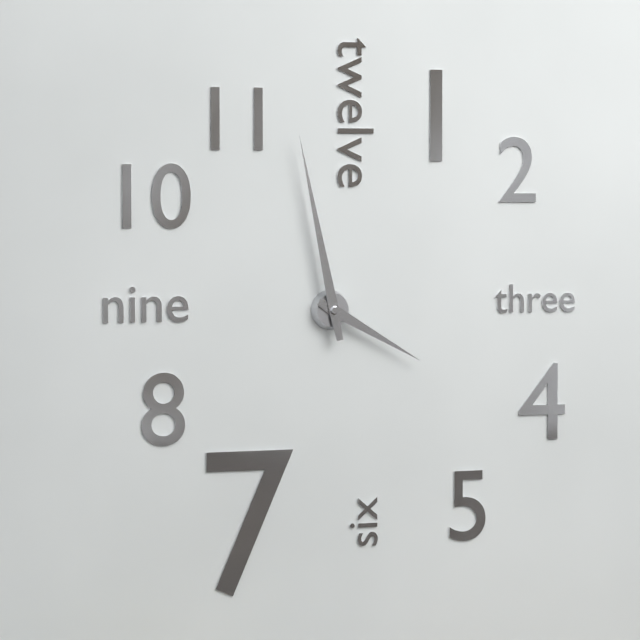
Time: **3:58**
